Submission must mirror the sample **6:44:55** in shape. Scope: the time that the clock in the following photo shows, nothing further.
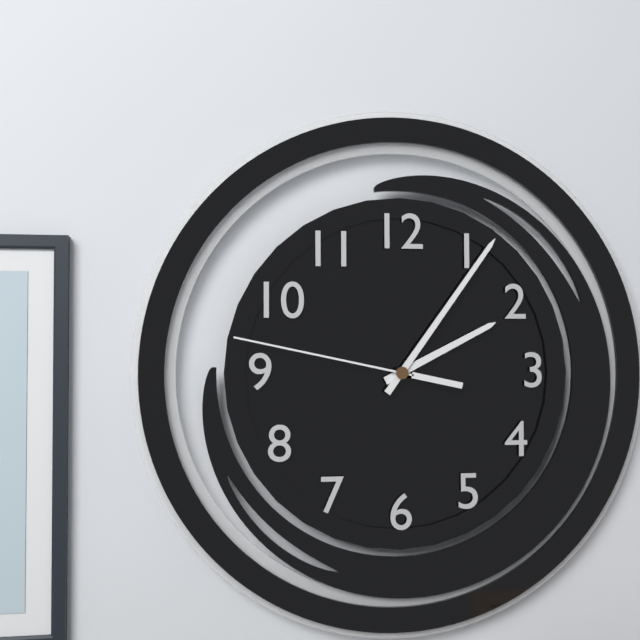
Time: **2:06:47**
